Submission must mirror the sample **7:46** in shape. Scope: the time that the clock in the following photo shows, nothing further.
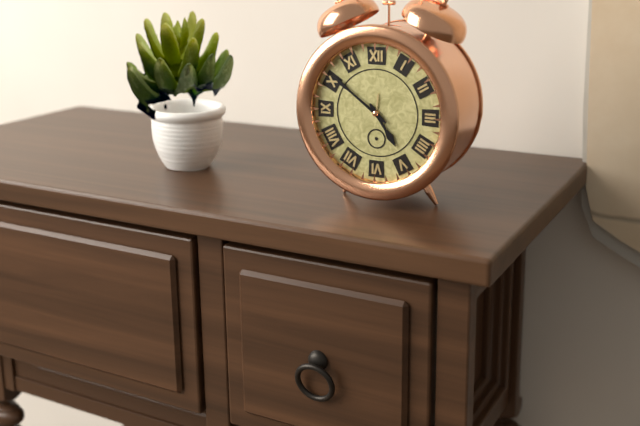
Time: **4:51**
